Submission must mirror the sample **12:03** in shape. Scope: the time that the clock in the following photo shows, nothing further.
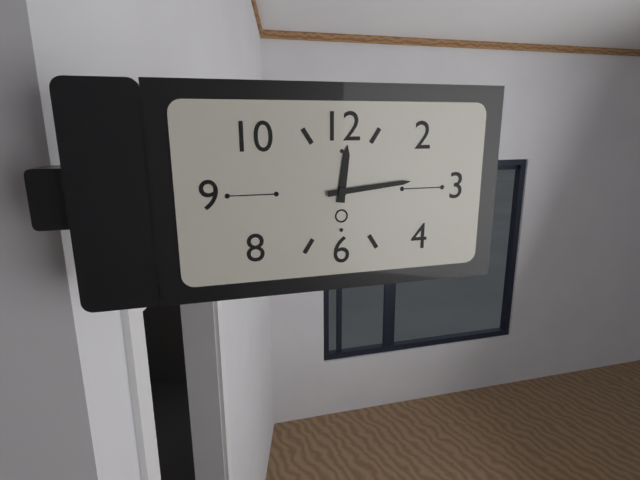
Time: **12:14**
